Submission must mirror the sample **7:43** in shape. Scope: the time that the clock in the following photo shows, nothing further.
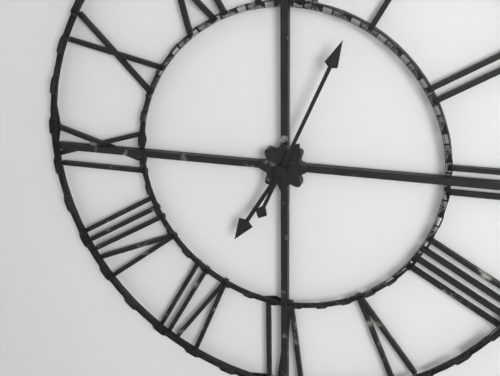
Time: **7:04**
